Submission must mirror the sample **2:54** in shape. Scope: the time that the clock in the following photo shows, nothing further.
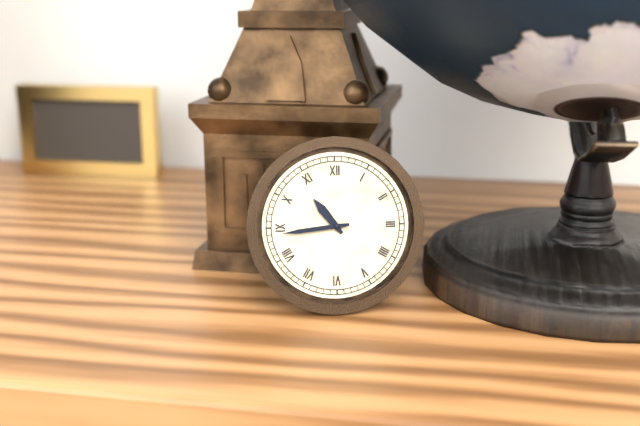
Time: **10:44**
